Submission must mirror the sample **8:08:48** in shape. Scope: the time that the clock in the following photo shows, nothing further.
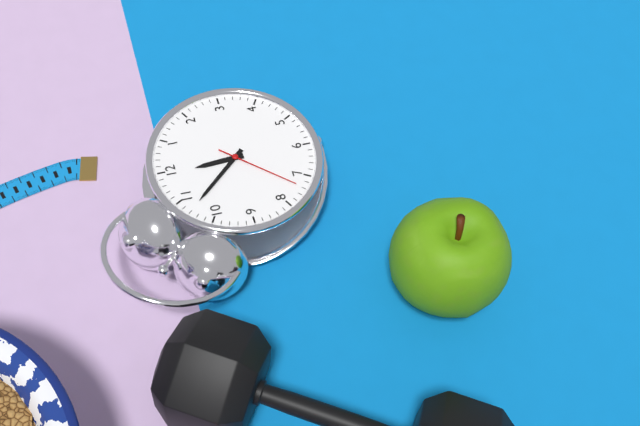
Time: **11:53:37**
